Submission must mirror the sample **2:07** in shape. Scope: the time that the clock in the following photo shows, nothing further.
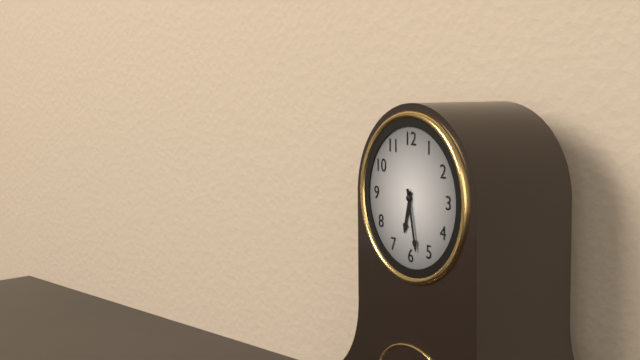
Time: **6:28**
